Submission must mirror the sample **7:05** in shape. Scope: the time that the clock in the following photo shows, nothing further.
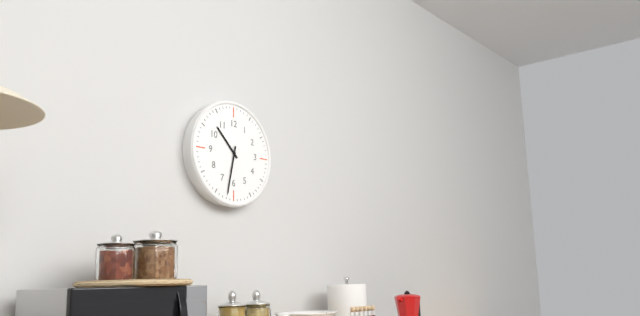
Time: **10:32**
